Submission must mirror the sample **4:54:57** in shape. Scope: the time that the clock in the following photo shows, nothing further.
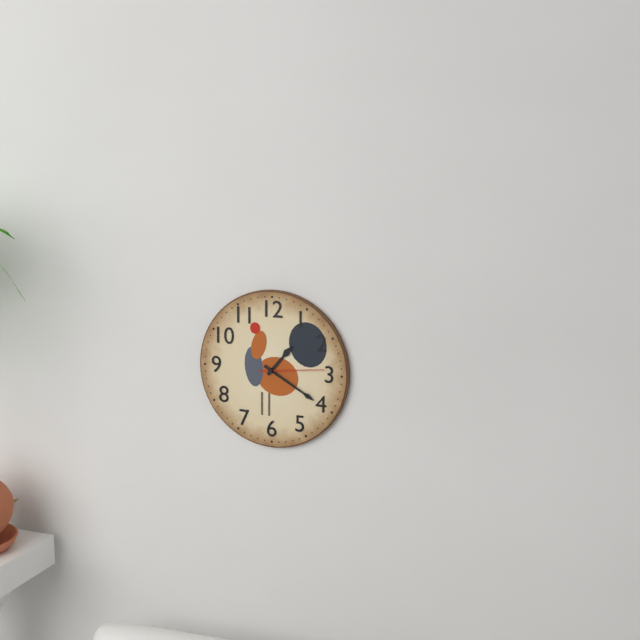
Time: **1:20:14**
